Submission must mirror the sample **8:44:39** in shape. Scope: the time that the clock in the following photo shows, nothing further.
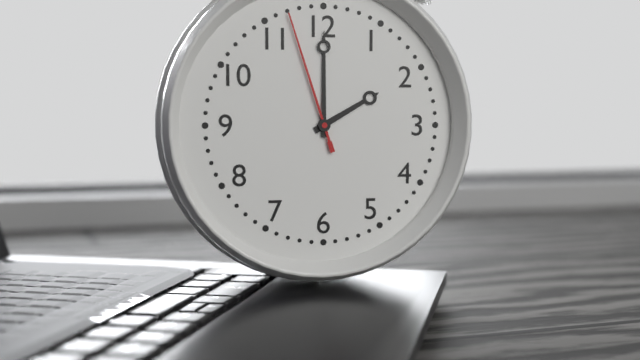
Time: **2:00:57**
